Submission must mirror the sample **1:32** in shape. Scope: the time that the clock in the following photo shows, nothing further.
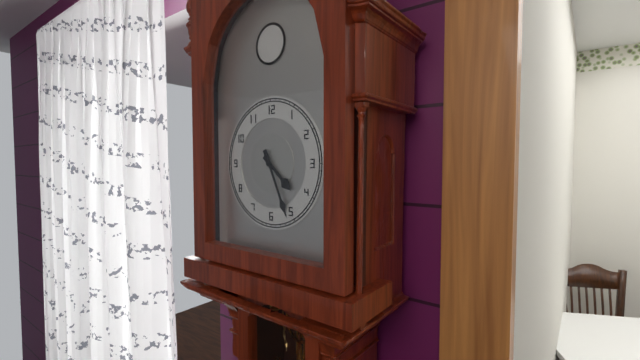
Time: **4:26**
